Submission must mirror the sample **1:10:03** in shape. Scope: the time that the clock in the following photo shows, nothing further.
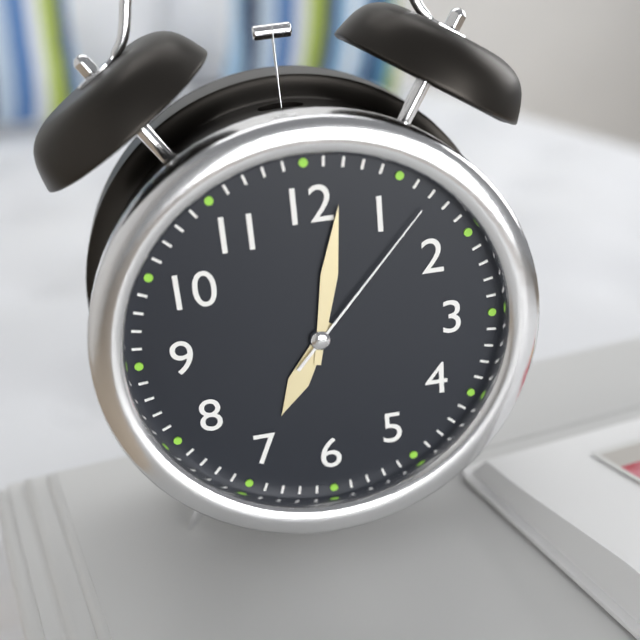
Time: **7:02:07**
